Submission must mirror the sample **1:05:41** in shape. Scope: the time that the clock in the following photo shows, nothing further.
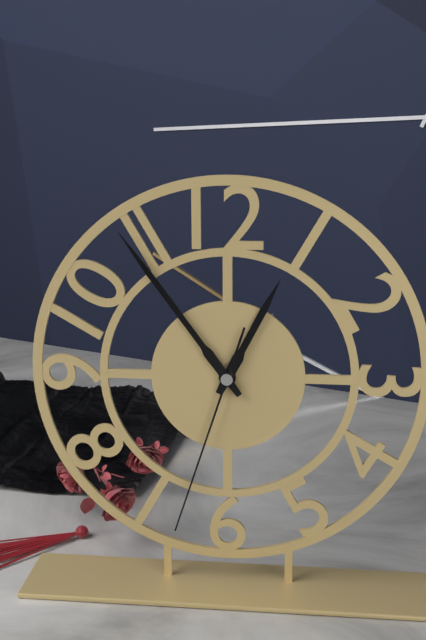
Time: **12:54:33**
